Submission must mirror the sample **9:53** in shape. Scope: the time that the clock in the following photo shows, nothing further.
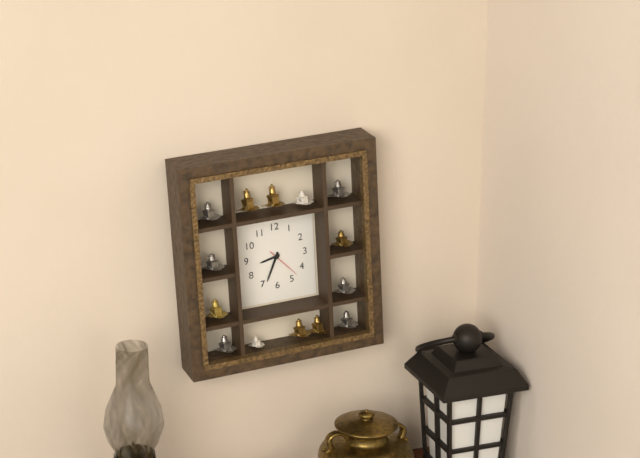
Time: **8:34**
